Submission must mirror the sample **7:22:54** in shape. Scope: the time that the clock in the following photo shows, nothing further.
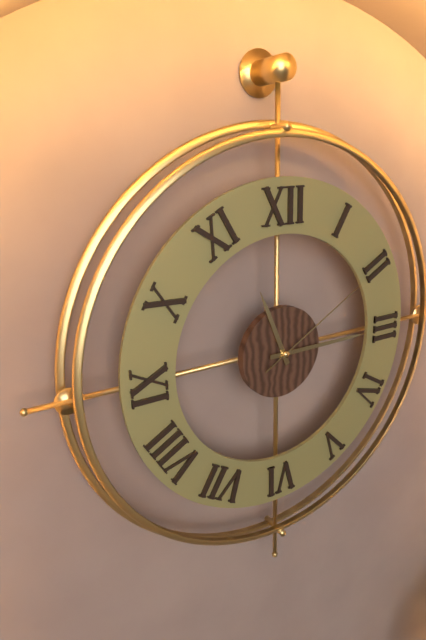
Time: **11:15:10**
